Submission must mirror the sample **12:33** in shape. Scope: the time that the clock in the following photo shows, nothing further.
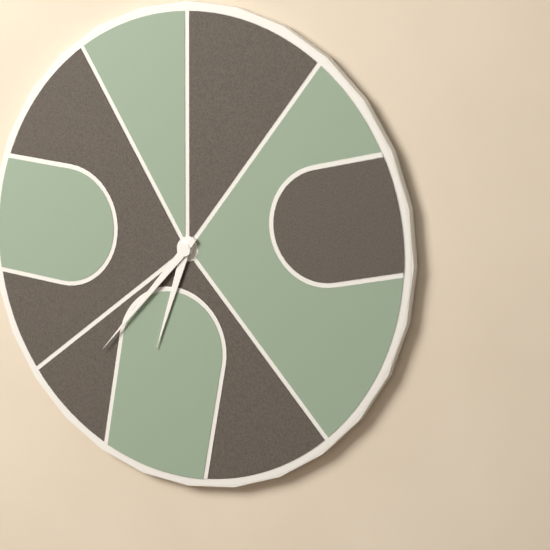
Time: **6:37**
